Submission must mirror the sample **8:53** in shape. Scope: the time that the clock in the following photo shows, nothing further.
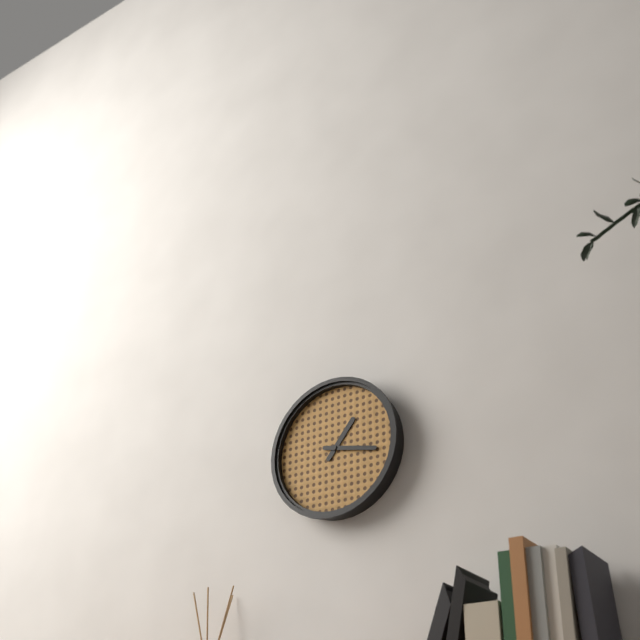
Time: **1:17**
